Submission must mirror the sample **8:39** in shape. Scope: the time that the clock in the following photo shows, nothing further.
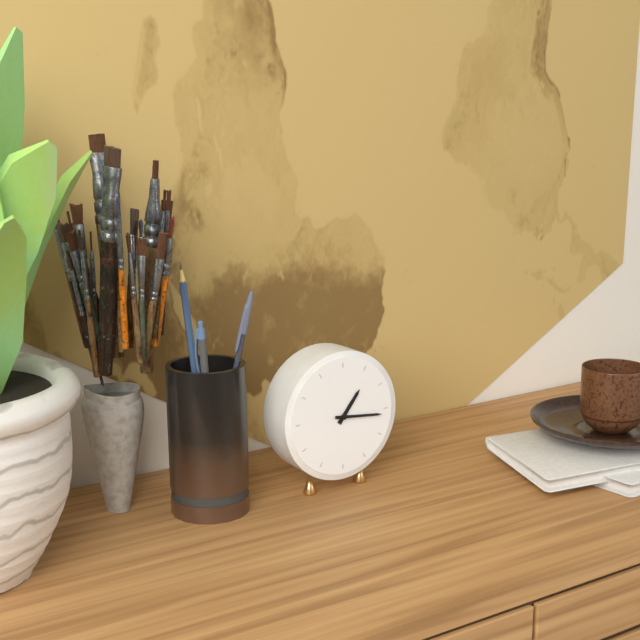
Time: **1:16**
